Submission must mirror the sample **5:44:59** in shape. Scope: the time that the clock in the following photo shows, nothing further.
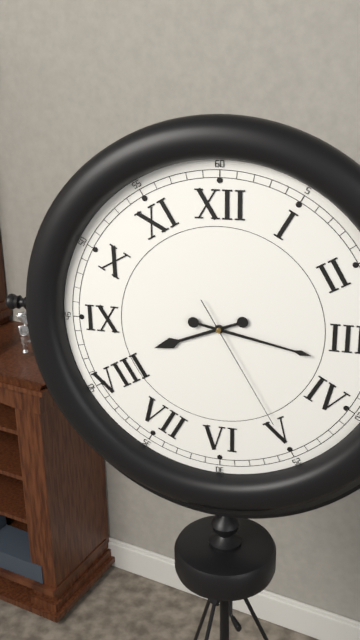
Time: **8:17:25**
